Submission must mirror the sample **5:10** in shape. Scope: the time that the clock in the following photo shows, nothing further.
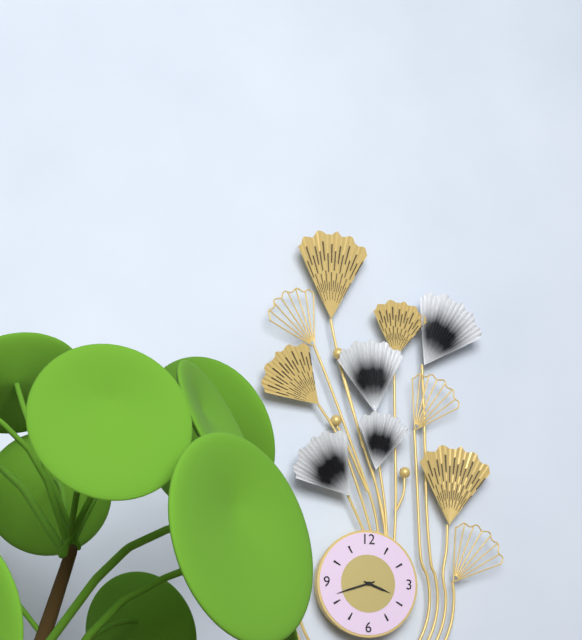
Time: **3:42**
